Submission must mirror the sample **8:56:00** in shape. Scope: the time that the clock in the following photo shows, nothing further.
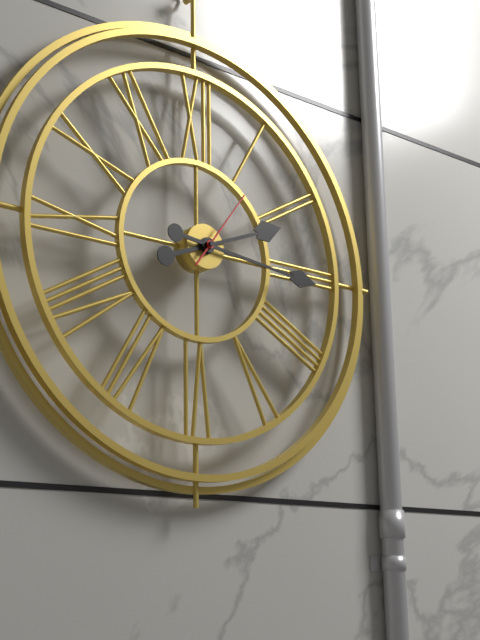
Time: **2:16:06**
